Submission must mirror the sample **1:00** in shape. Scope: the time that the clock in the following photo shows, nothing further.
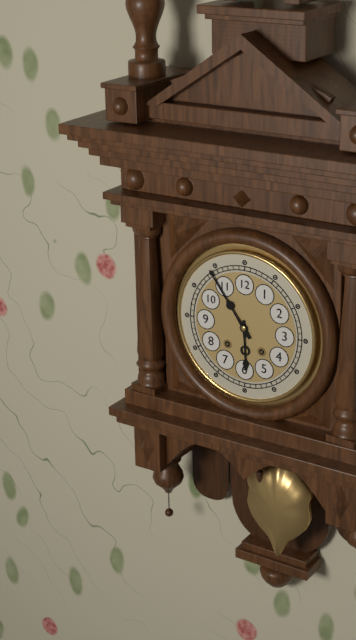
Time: **5:54**
